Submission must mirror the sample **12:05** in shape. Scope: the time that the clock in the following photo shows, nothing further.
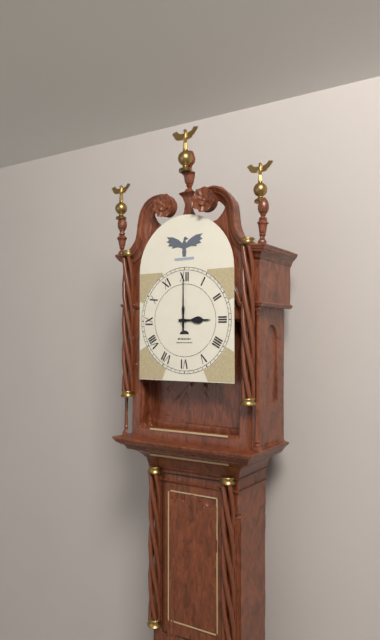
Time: **3:00**
